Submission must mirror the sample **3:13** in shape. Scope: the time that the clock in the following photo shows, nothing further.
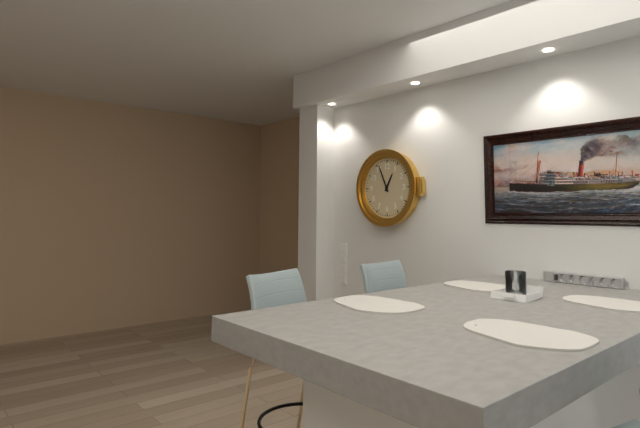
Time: **12:56**
